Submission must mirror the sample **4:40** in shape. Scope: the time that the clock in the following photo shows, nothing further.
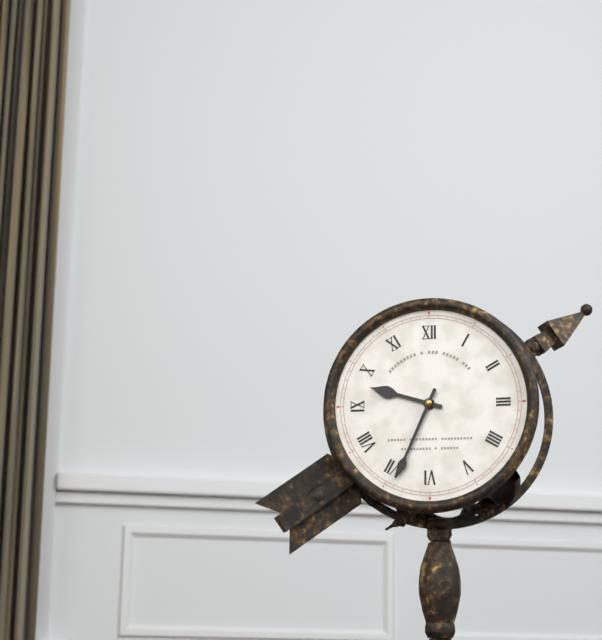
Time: **9:34**
